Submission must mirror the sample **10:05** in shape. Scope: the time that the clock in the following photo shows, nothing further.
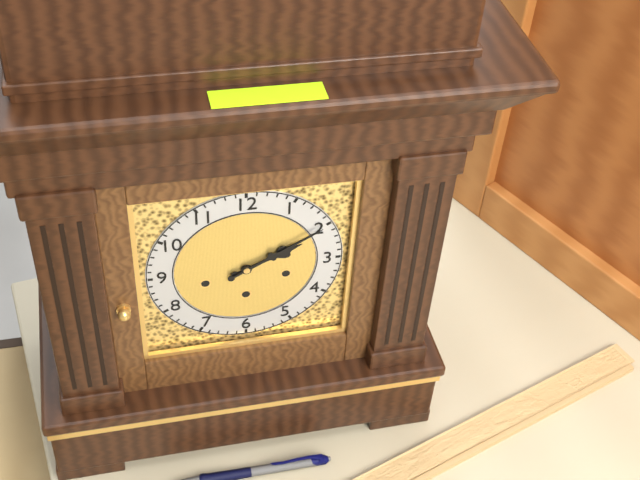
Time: **2:10**
